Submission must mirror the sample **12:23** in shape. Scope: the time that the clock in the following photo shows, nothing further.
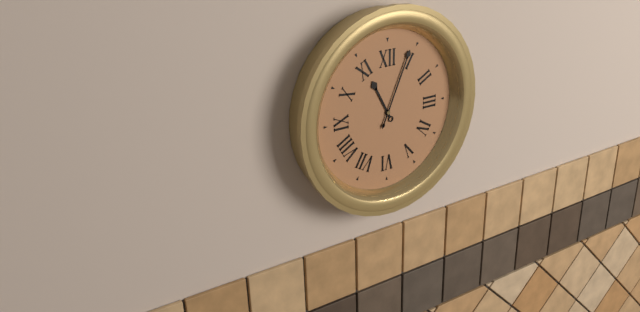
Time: **11:04**
